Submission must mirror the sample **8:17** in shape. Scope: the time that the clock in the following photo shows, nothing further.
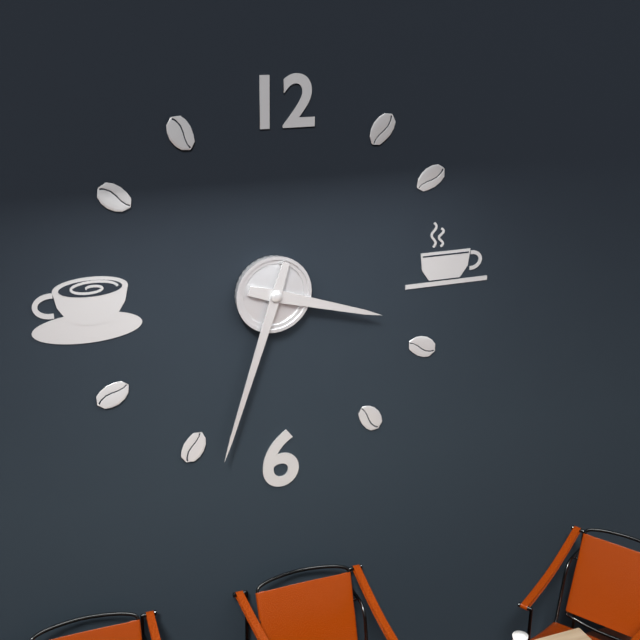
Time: **3:33**
